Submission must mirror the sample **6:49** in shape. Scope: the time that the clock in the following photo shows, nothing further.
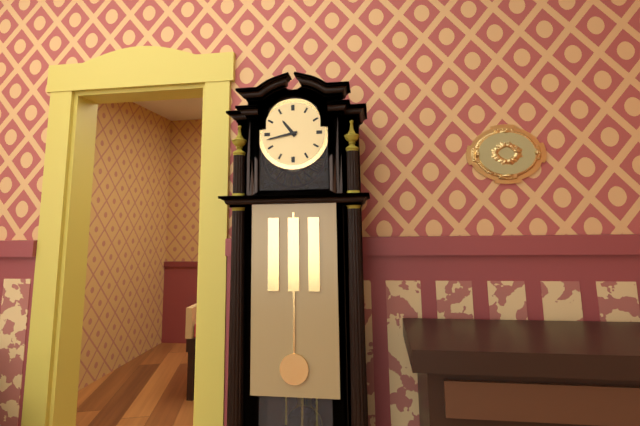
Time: **10:43**
